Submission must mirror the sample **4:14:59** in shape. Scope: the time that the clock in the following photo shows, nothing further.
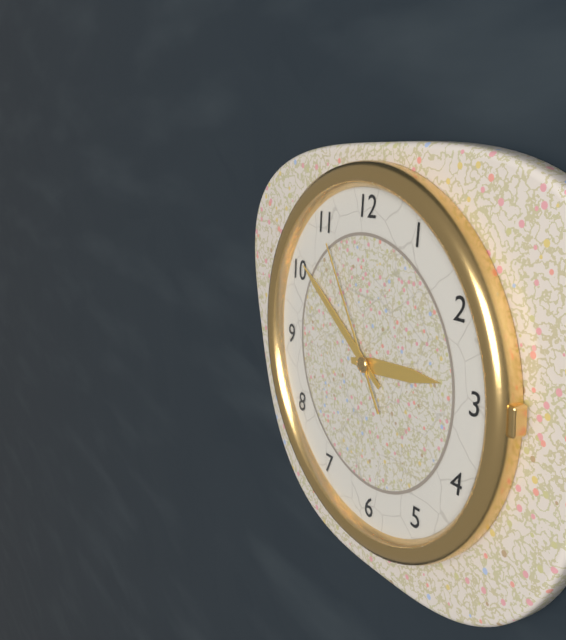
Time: **2:51:55**
